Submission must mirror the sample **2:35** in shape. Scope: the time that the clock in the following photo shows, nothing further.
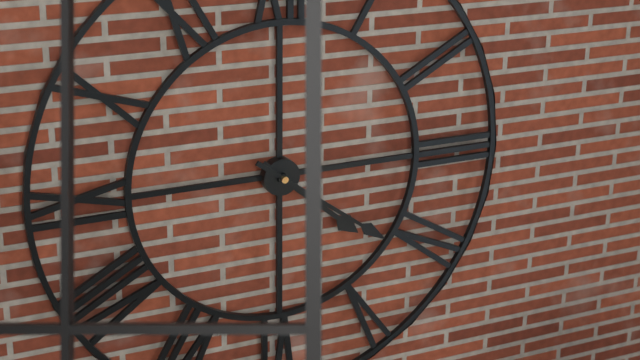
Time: **4:21**
